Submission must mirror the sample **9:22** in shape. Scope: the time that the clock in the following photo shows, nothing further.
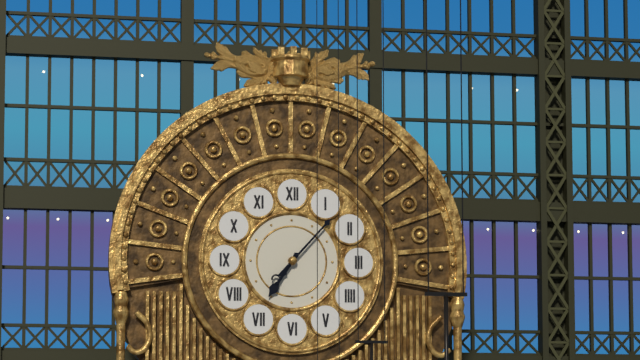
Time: **7:07**
